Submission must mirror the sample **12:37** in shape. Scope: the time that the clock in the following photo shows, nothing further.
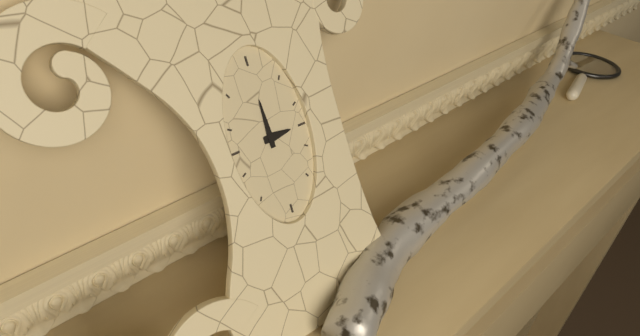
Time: **3:00**
